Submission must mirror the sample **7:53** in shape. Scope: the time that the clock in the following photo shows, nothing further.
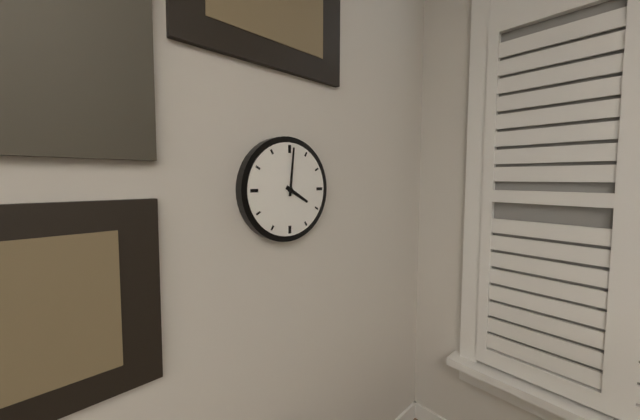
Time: **4:01**
